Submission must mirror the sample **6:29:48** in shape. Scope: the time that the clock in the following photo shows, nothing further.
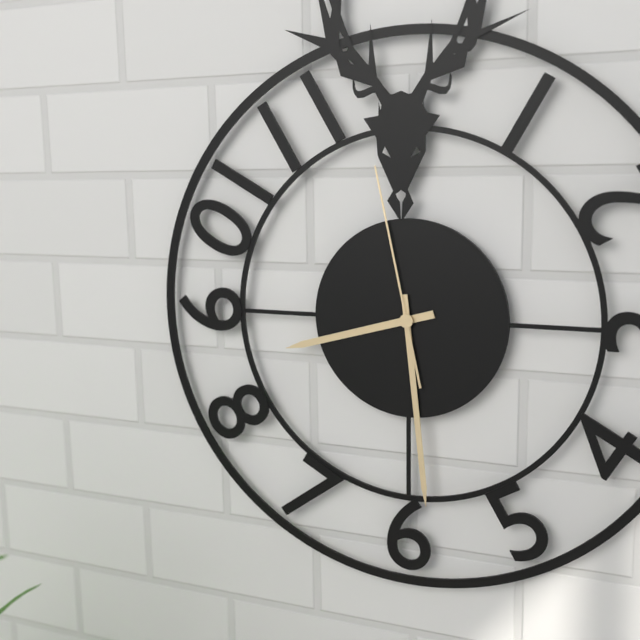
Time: **8:29:58**
